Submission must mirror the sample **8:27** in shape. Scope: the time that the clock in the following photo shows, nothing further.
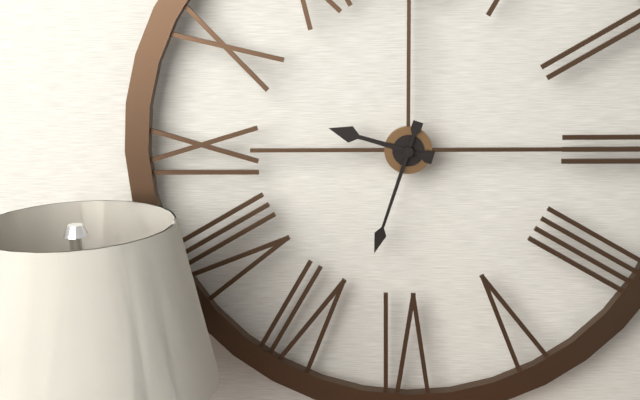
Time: **9:33**
